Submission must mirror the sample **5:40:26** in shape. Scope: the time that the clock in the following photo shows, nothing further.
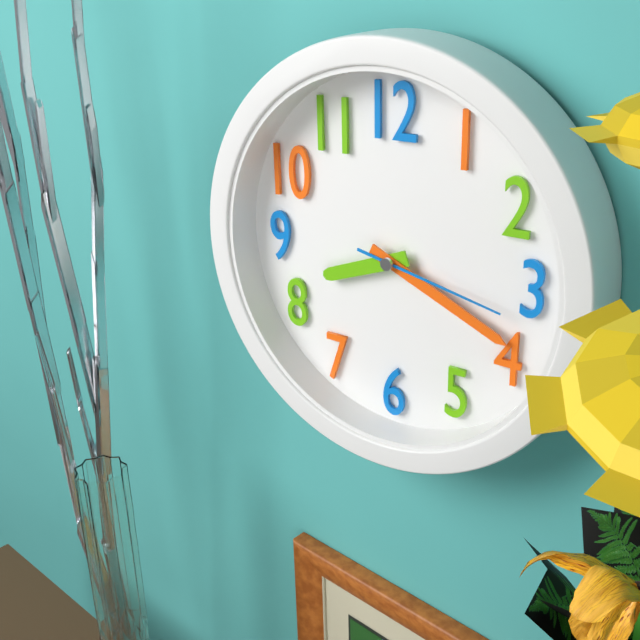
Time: **8:19:17**
